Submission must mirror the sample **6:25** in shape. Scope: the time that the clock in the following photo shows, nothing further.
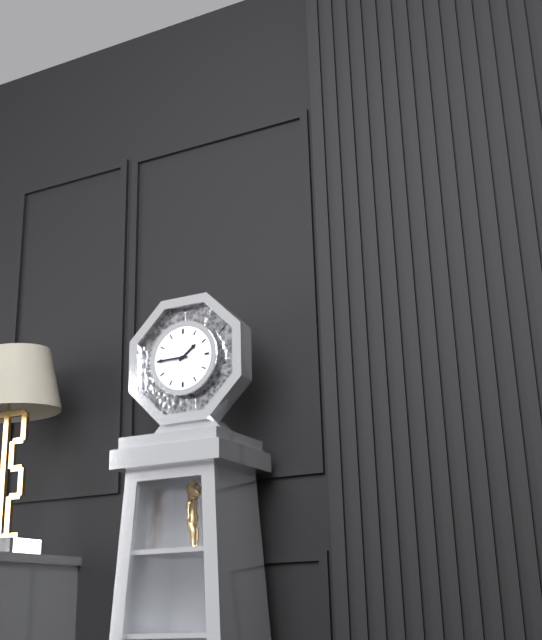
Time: **1:45**
